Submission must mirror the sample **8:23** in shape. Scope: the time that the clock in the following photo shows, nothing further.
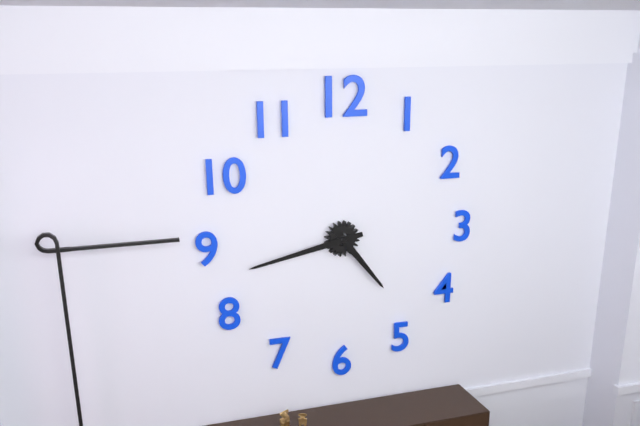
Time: **4:43**
